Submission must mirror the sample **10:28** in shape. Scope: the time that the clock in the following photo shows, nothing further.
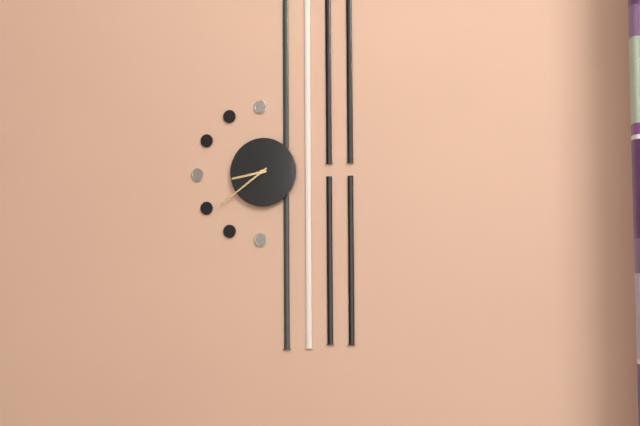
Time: **8:39**
